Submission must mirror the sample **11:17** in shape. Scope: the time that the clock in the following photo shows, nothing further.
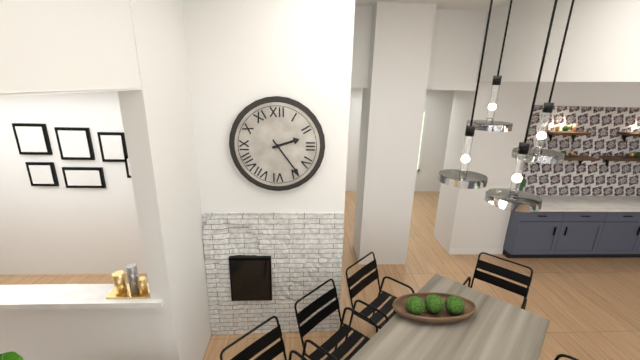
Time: **2:24**
